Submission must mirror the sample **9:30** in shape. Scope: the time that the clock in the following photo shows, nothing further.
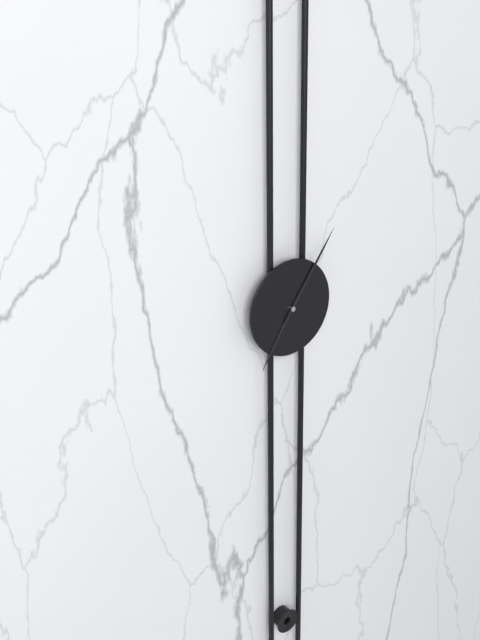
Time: **7:06**
